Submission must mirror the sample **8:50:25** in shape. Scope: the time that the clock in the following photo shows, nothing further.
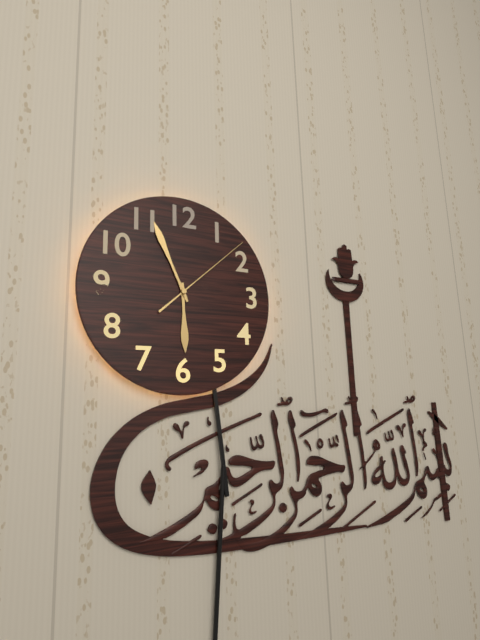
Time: **5:56:08**
